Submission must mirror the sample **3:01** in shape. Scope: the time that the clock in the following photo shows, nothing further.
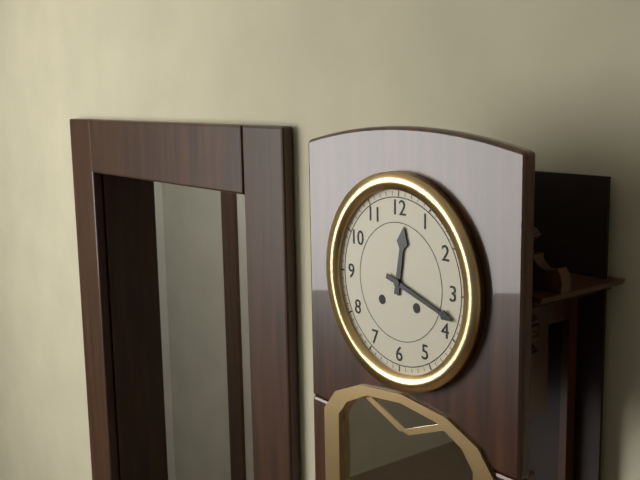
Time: **12:18**
